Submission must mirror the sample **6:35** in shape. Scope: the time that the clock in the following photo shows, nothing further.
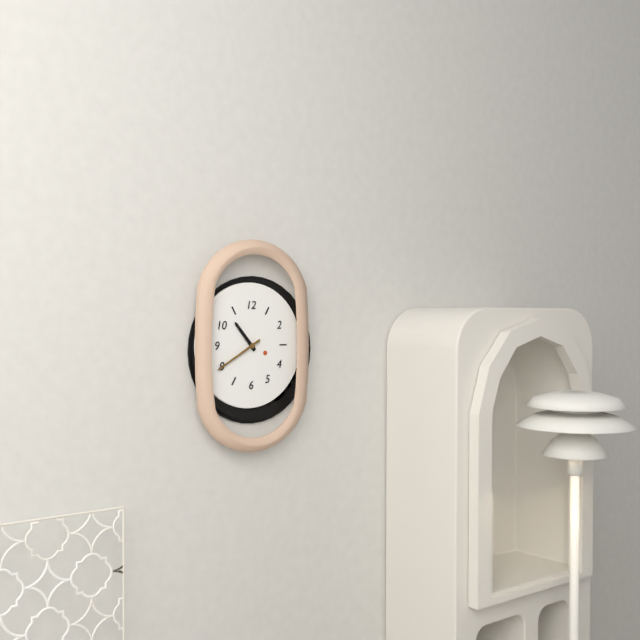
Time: **10:40**
